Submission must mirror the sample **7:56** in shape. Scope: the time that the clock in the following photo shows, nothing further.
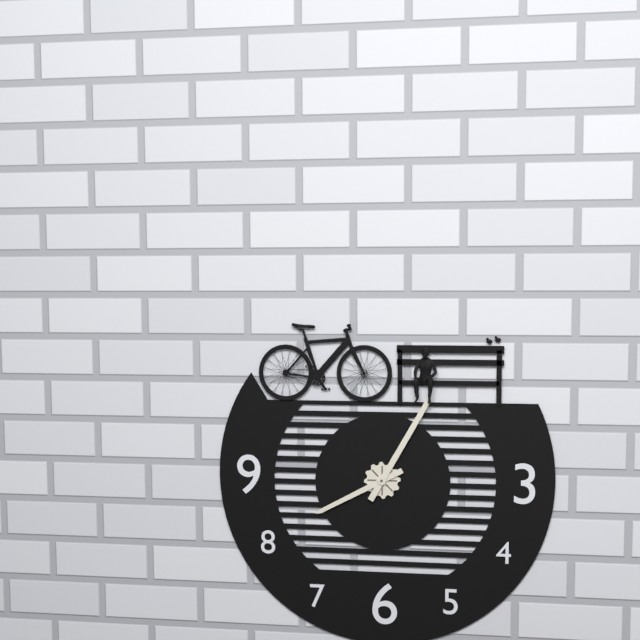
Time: **8:05**
